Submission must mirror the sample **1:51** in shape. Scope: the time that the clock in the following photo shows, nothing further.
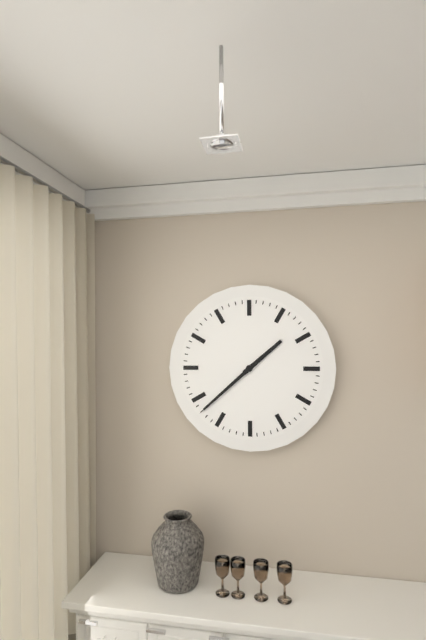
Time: **1:38**
